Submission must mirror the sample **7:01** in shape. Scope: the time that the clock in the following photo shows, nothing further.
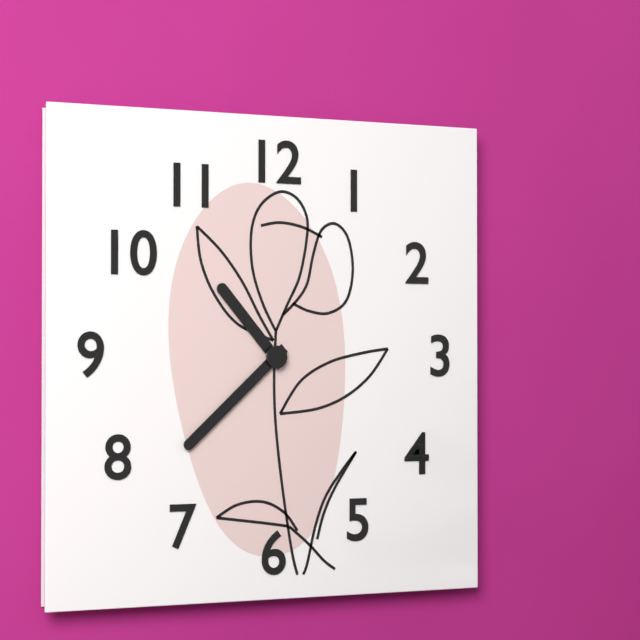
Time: **10:38**
